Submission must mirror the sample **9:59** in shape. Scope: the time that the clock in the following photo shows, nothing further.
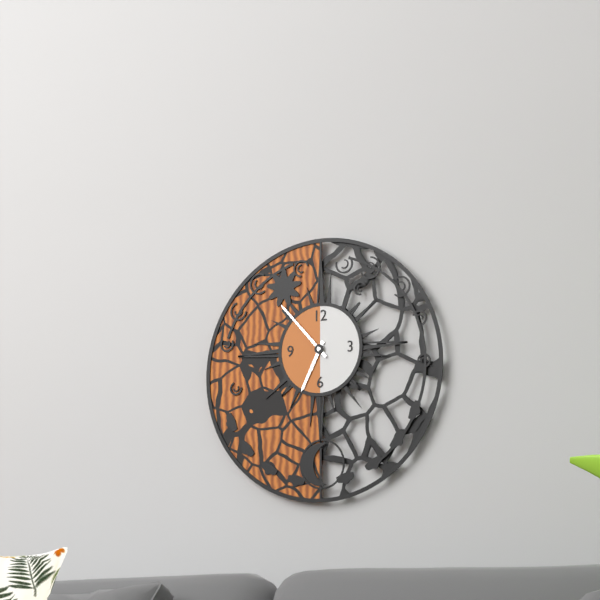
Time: **6:53**
